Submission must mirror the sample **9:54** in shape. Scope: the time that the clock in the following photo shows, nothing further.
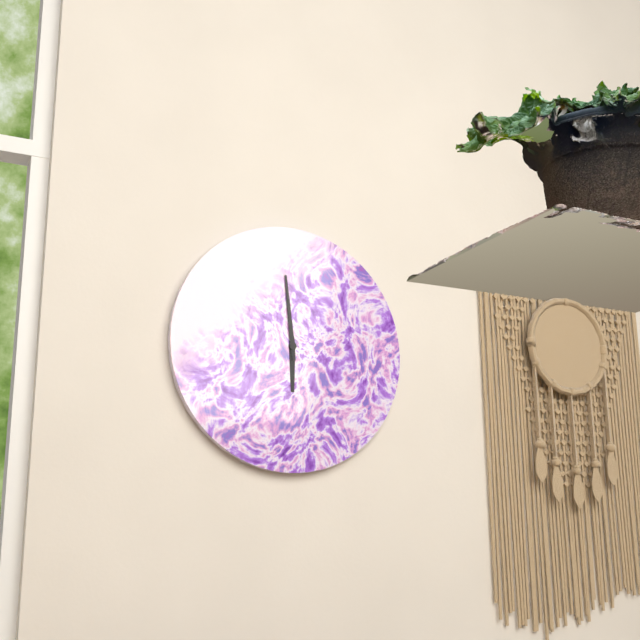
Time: **5:59**
